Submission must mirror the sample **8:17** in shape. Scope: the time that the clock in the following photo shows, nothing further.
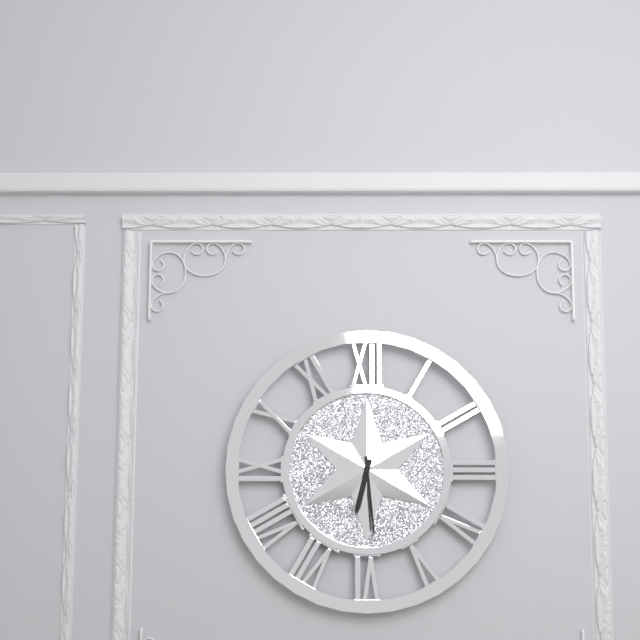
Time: **6:29**
